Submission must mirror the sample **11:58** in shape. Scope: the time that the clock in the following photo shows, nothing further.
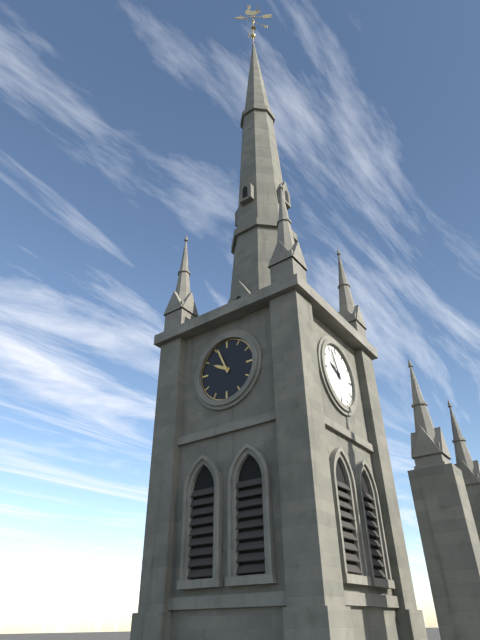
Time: **9:56**
